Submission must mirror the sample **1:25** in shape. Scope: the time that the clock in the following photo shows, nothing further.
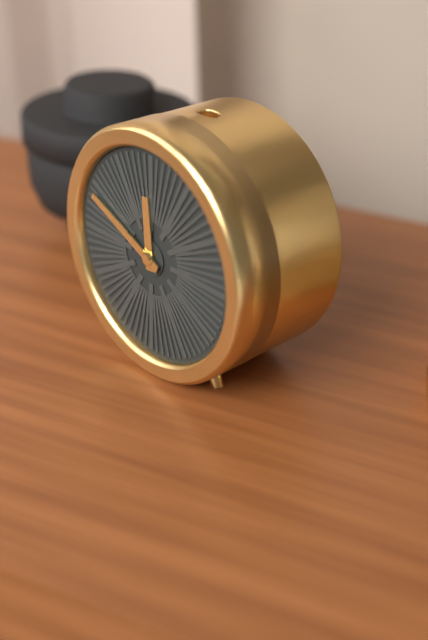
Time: **11:49**
